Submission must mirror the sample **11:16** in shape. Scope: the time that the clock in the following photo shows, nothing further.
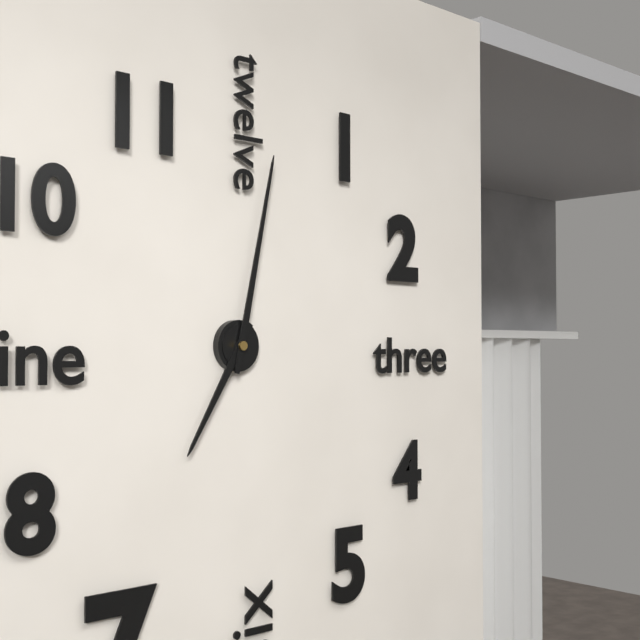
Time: **7:02**
